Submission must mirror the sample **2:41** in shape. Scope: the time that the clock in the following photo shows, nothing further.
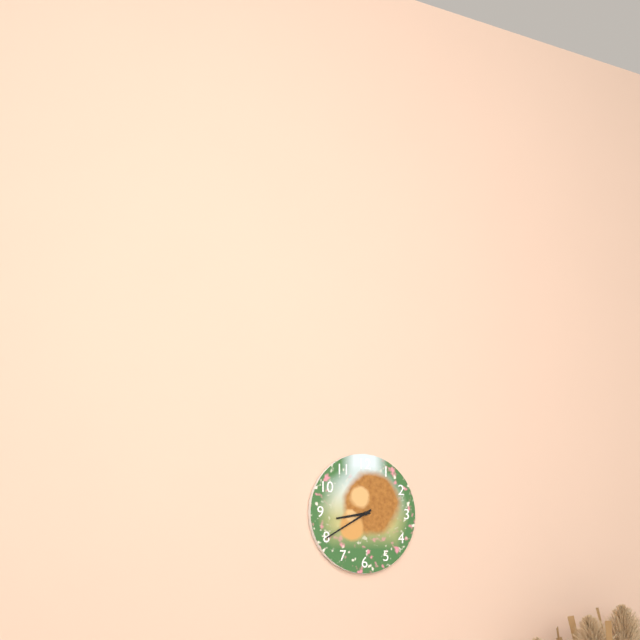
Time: **8:40**
